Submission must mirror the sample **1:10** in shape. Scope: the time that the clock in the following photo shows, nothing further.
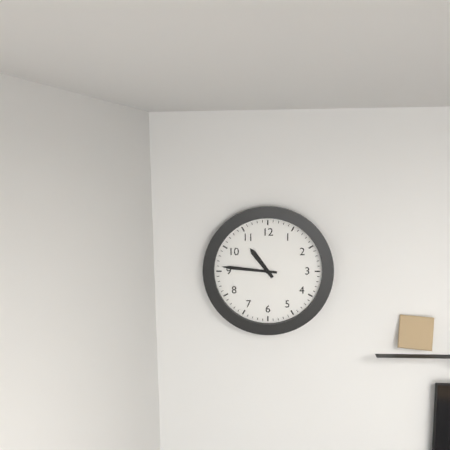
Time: **10:46**
